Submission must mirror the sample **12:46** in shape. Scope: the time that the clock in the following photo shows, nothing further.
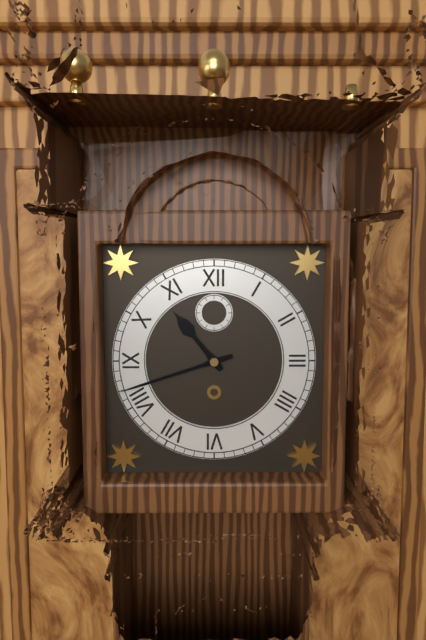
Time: **10:42**
